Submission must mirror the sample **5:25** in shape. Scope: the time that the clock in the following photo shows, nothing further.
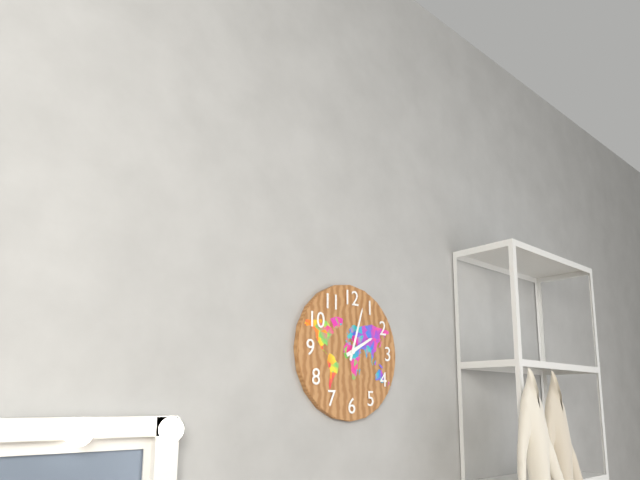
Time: **2:03**
